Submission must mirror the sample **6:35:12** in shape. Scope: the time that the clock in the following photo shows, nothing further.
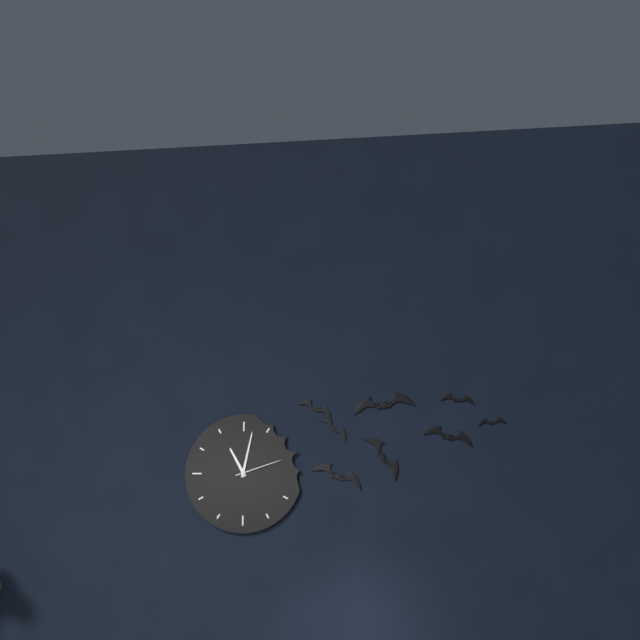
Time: **11:02:12**
